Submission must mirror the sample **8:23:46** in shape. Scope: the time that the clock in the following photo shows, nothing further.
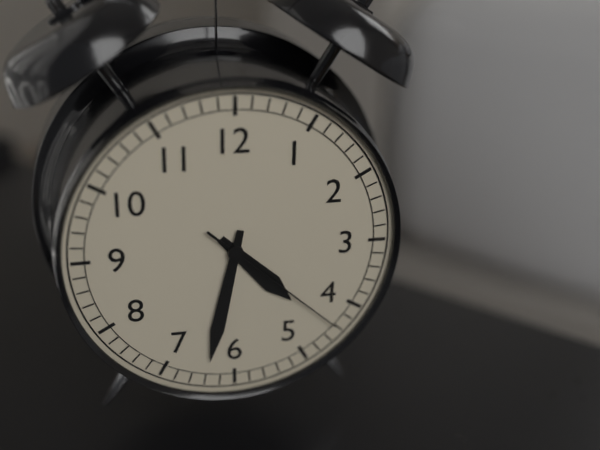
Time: **4:32:22**
